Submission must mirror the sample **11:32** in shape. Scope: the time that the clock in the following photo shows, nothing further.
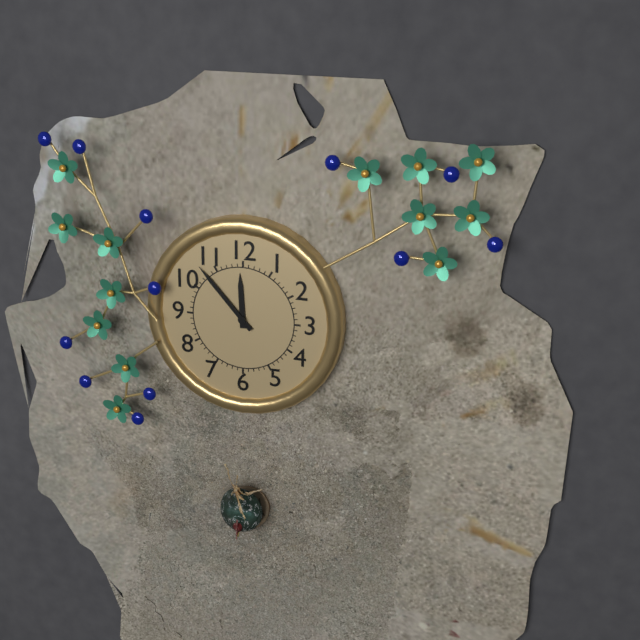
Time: **11:53**
